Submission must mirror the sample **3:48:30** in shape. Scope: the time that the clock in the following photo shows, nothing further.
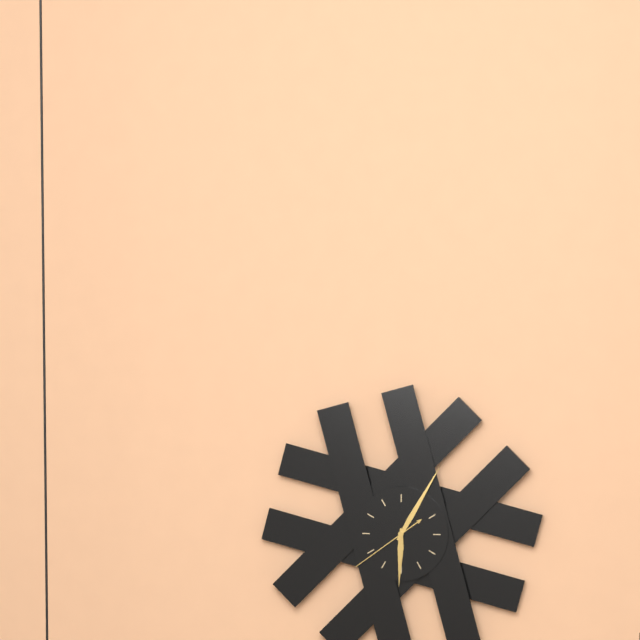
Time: **6:05:39**
